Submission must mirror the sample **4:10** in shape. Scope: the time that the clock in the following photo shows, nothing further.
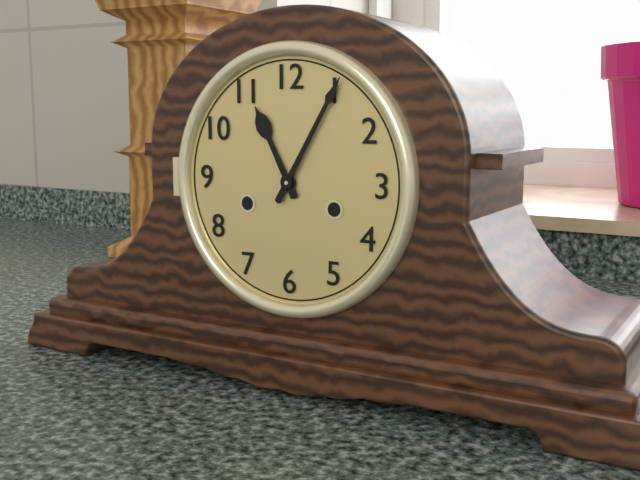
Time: **11:05**
